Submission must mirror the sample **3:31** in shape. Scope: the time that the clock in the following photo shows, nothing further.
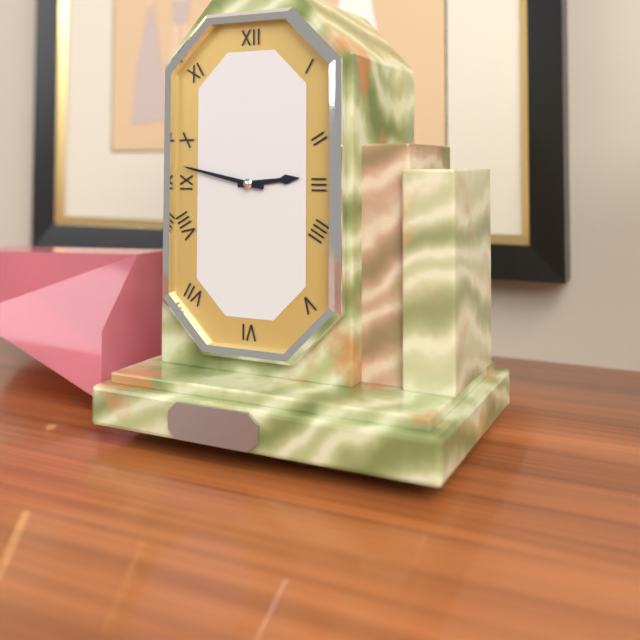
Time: **2:47**
